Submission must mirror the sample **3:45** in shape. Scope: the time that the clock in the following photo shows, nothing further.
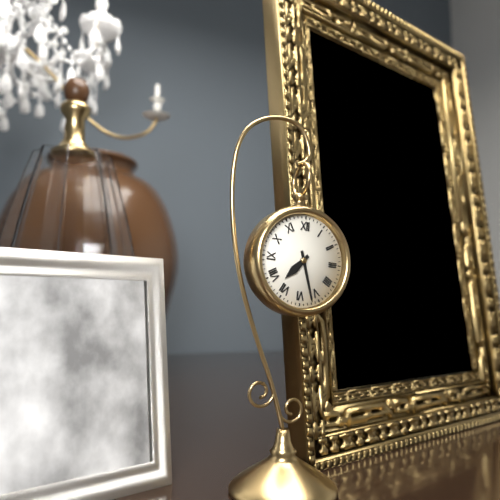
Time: **7:27**
